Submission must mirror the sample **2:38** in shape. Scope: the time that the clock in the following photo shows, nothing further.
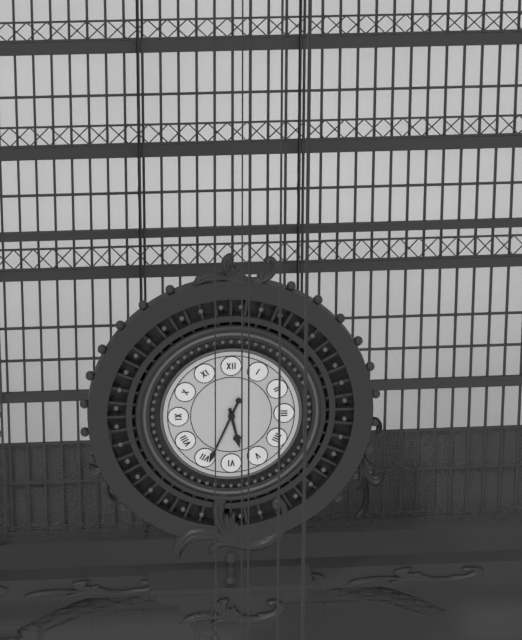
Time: **5:34**
